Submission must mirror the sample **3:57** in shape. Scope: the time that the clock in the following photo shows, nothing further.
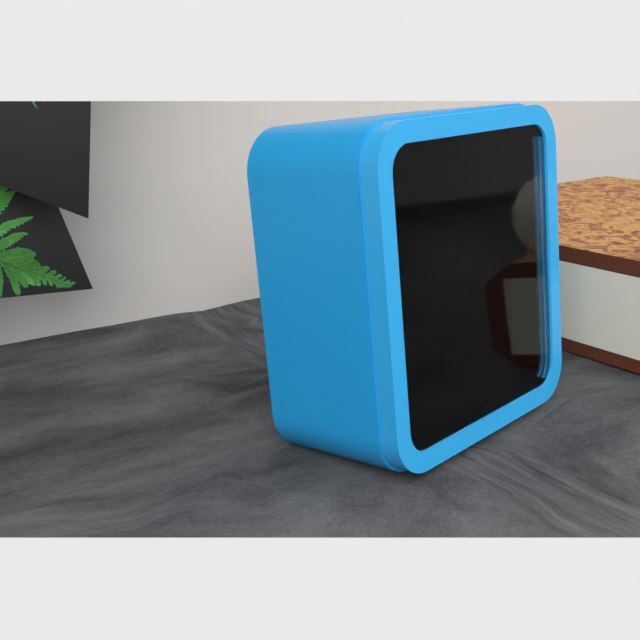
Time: **11:31**
